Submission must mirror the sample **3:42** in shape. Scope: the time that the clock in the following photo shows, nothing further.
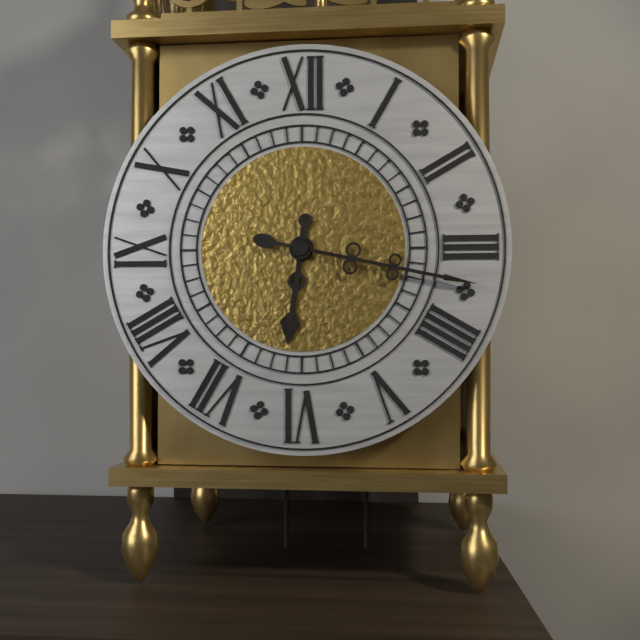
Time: **6:17**
